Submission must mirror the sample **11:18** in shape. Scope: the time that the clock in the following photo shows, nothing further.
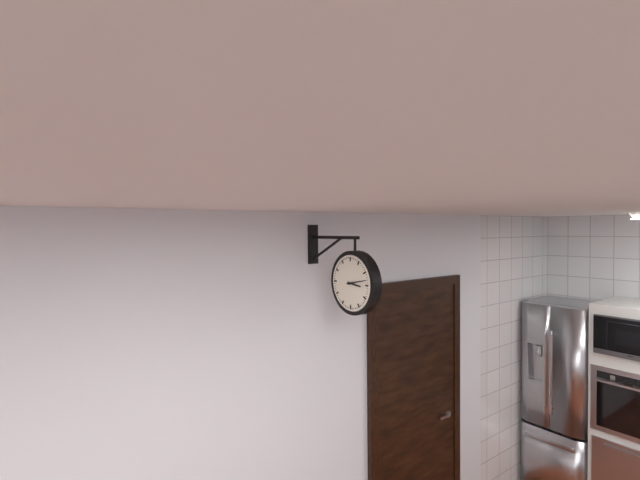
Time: **3:13**
